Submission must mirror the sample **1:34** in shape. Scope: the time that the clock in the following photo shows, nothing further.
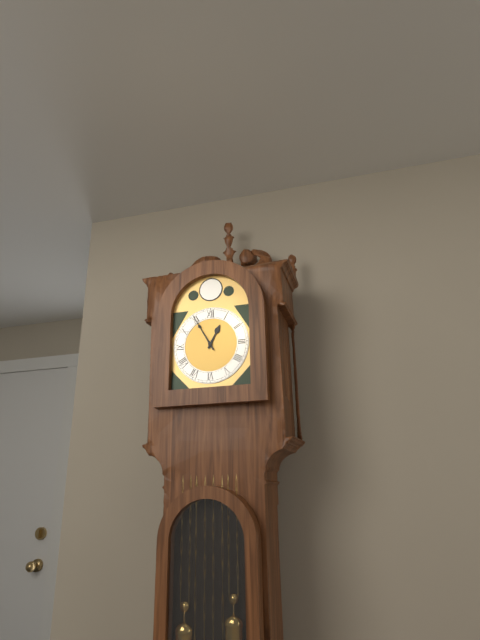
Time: **12:55**
